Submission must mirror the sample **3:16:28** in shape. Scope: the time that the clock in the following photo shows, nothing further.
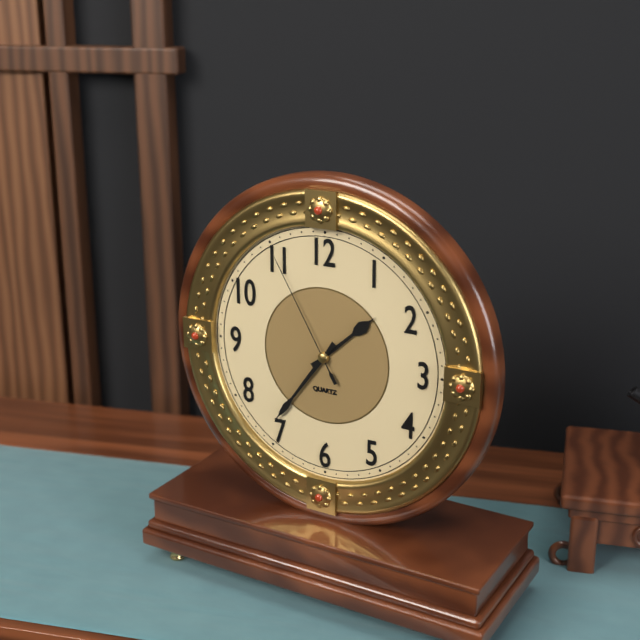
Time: **1:36:55**
